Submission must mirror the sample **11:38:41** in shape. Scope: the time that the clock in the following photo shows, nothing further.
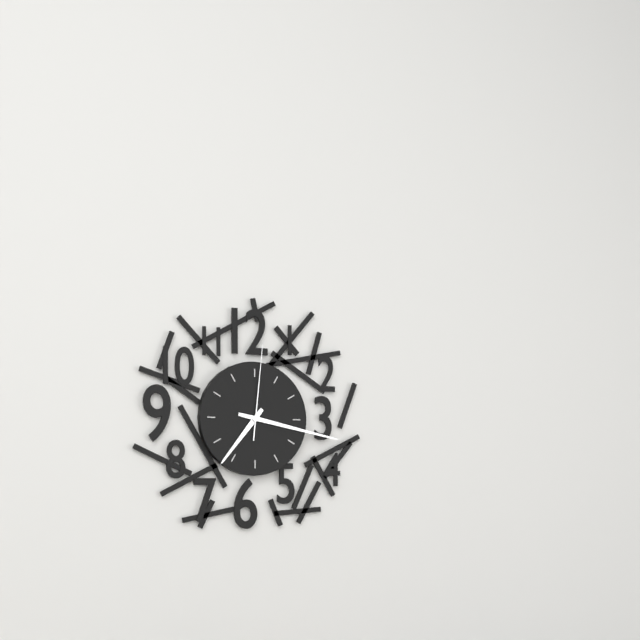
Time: **7:17:01**
